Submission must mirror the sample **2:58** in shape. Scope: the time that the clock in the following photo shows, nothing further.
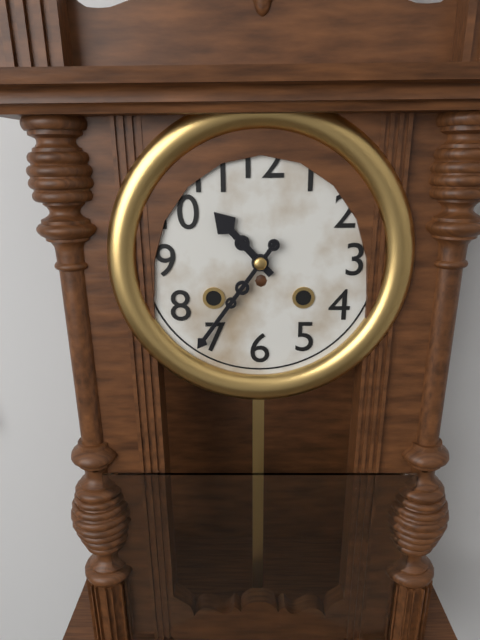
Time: **10:36**
